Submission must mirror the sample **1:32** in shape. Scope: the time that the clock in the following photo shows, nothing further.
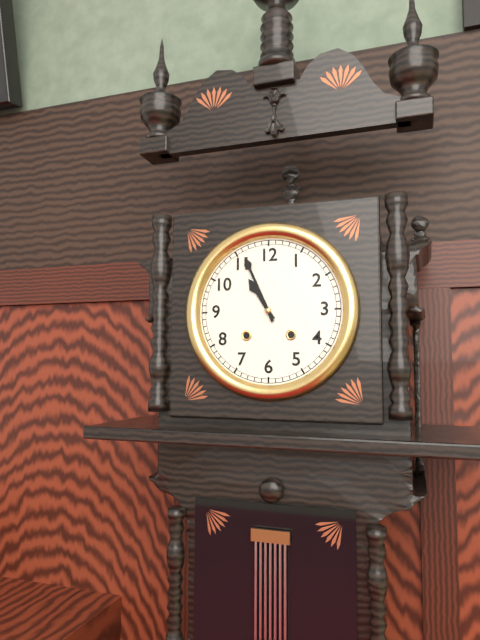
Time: **10:56**
